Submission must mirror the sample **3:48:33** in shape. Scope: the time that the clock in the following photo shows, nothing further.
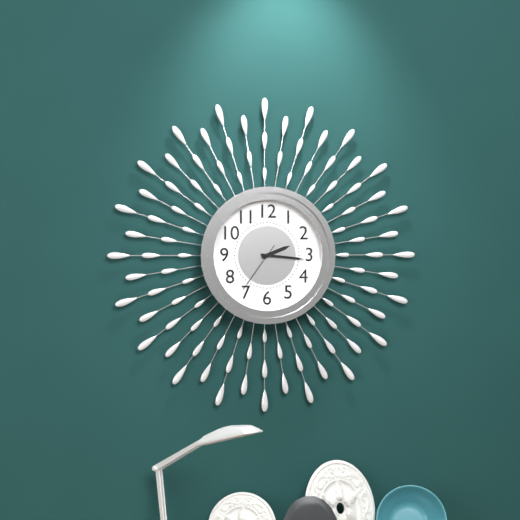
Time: **2:16:36**
